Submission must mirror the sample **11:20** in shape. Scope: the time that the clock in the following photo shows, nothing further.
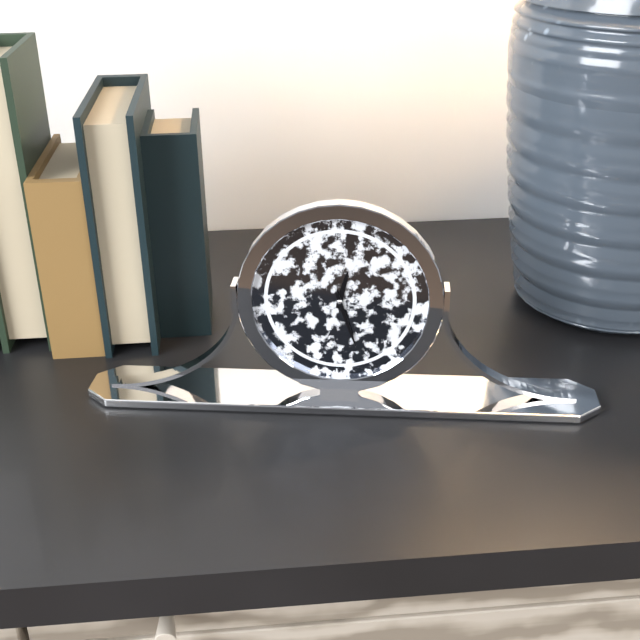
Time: **12:27**
